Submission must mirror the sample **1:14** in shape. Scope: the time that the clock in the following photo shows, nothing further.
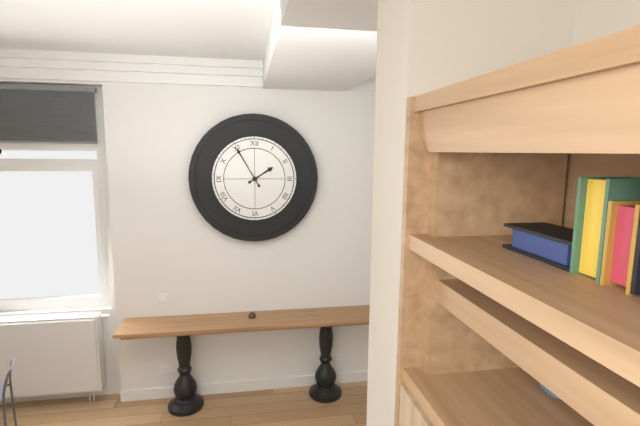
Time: **1:55**
